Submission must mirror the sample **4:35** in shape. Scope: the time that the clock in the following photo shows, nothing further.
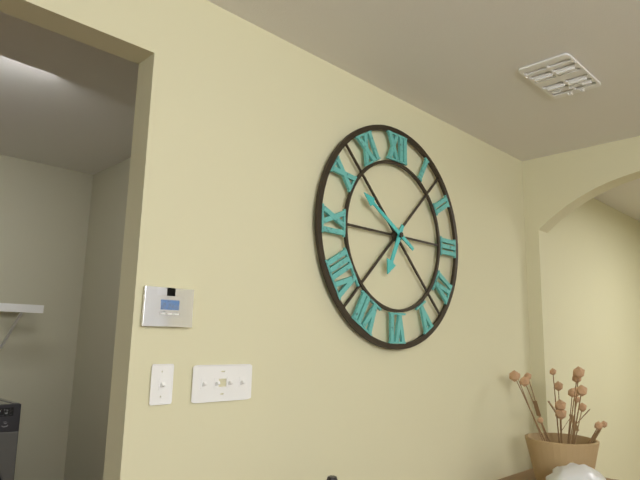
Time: **6:50**
